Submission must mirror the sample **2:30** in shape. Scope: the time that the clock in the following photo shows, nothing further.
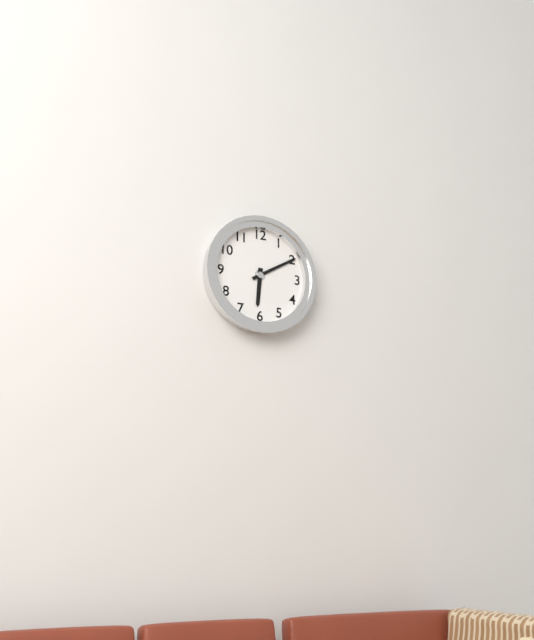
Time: **6:10**
